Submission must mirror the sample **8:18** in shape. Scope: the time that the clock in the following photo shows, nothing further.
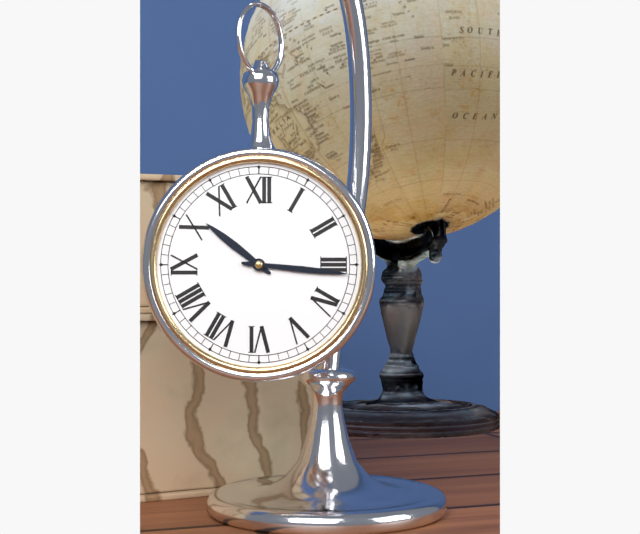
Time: **10:16**
